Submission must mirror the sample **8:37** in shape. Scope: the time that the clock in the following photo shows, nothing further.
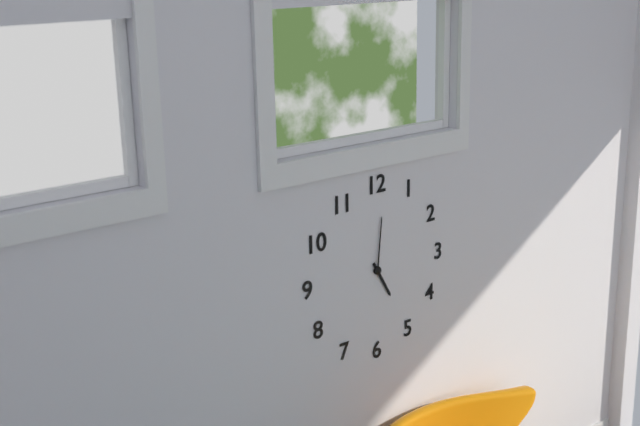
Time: **5:01**
